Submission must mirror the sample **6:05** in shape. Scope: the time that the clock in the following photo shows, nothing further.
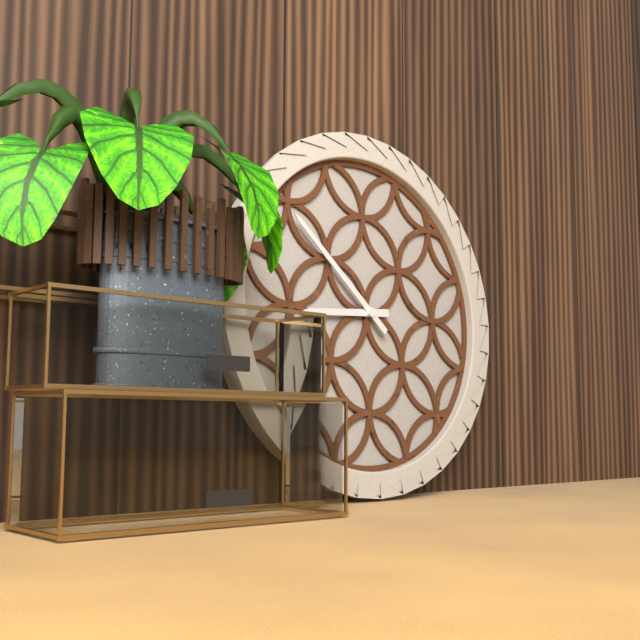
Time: **8:52**
